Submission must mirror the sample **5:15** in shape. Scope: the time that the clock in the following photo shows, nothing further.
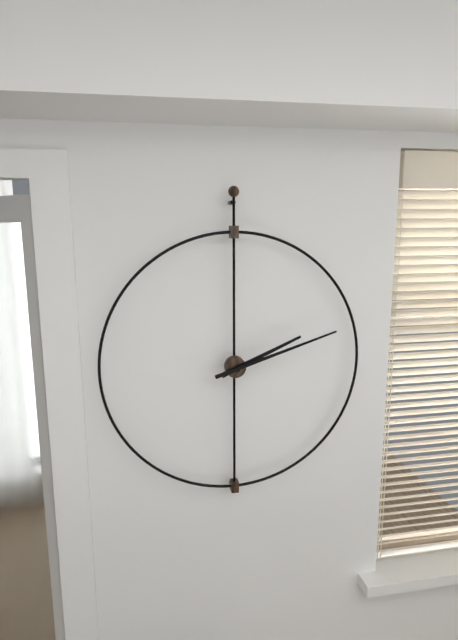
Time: **2:12**
